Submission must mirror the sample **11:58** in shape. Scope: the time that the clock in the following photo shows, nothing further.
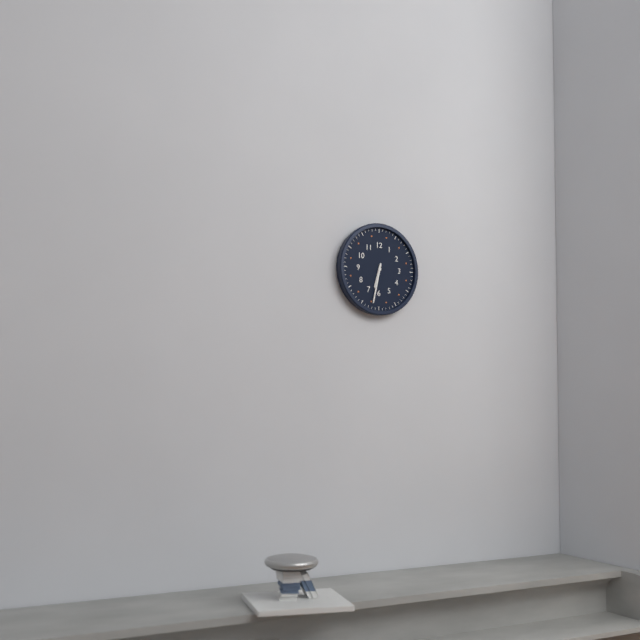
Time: **6:32**
